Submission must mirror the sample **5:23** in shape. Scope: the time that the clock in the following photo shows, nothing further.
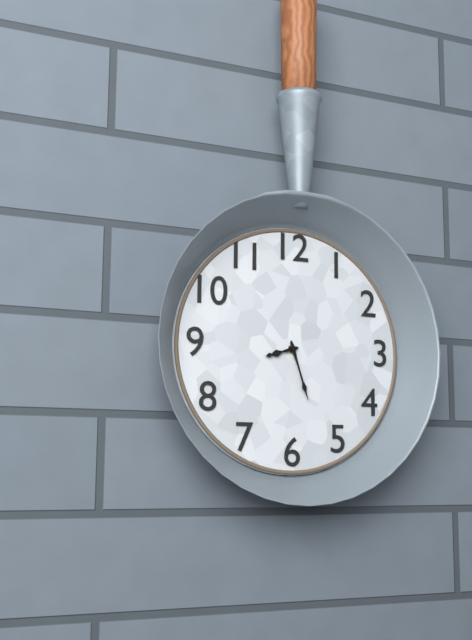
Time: **8:27**
